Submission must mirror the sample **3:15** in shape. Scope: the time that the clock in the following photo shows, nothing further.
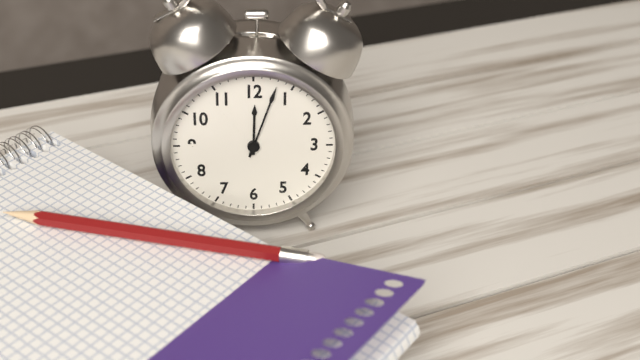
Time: **12:03**
